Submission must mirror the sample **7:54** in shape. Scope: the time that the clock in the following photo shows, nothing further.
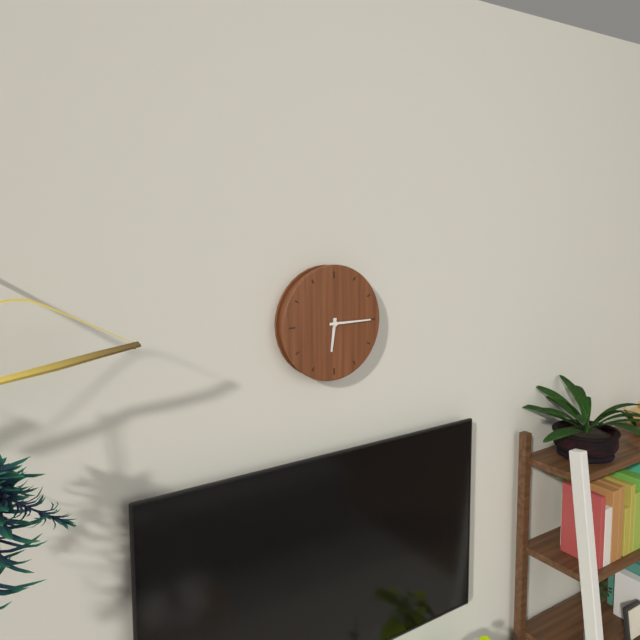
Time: **6:15**
